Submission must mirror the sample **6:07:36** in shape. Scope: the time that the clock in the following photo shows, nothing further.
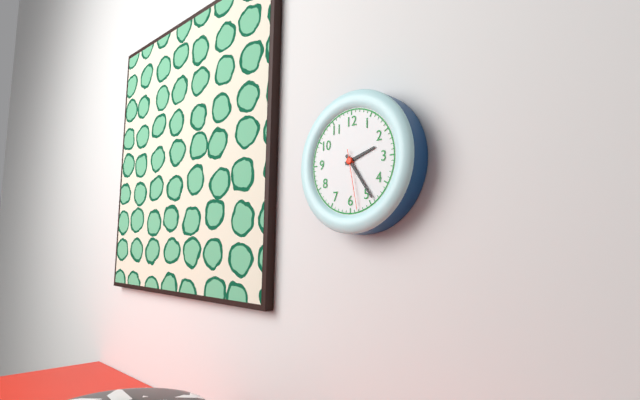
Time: **2:24:28**
